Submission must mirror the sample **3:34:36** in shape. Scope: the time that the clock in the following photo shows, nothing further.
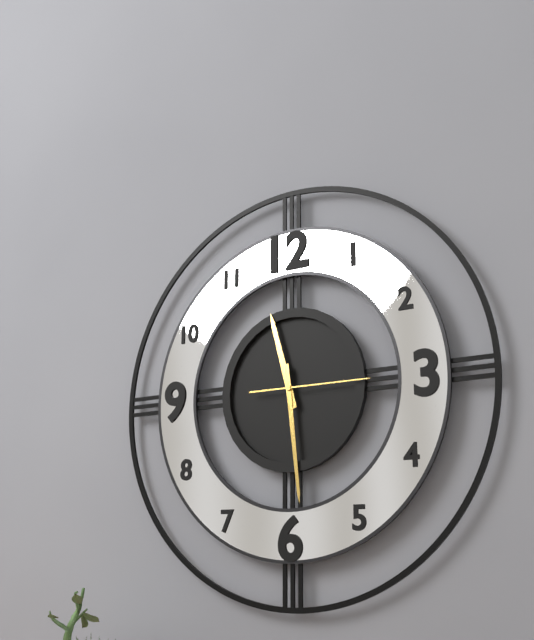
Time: **11:29:15**
